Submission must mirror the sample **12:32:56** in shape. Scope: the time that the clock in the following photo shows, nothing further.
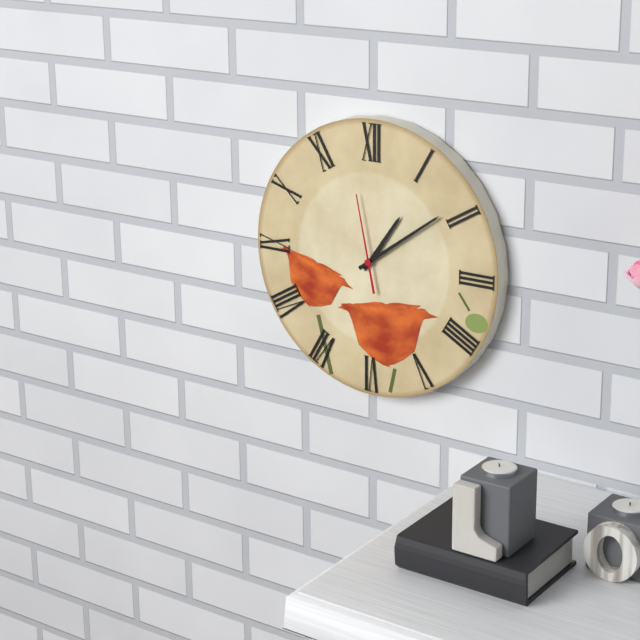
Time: **1:09:58**
